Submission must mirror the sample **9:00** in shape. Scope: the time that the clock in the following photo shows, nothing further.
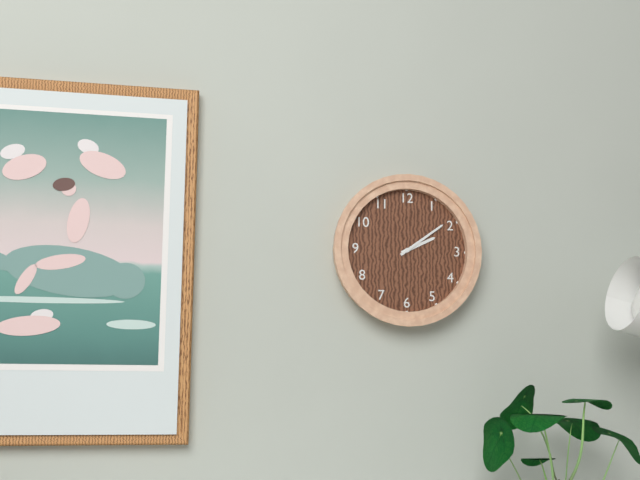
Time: **2:09**
